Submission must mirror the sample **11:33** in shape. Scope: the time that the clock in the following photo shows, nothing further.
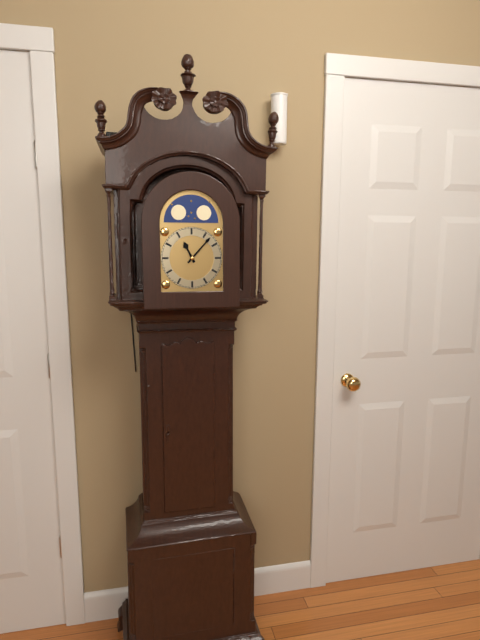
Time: **11:07**
